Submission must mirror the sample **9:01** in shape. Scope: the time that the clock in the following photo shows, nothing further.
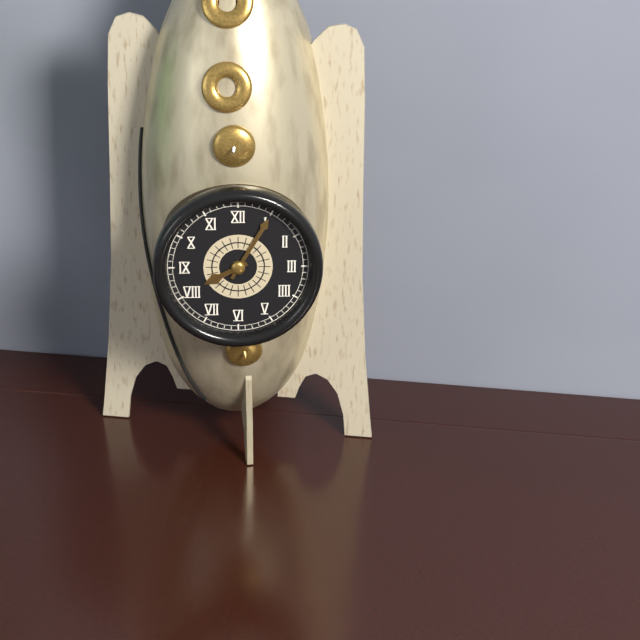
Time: **8:05**
